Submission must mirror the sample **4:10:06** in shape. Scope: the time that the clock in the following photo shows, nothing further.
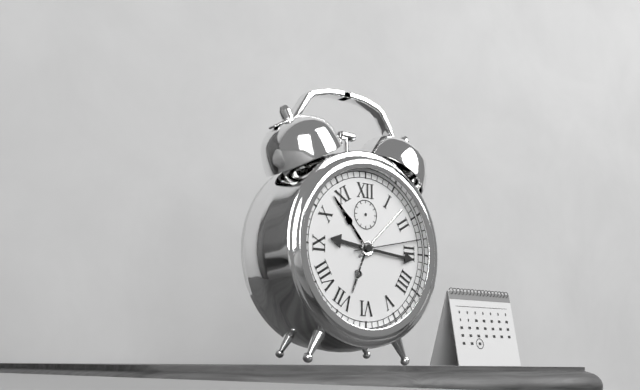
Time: **9:16:13**
